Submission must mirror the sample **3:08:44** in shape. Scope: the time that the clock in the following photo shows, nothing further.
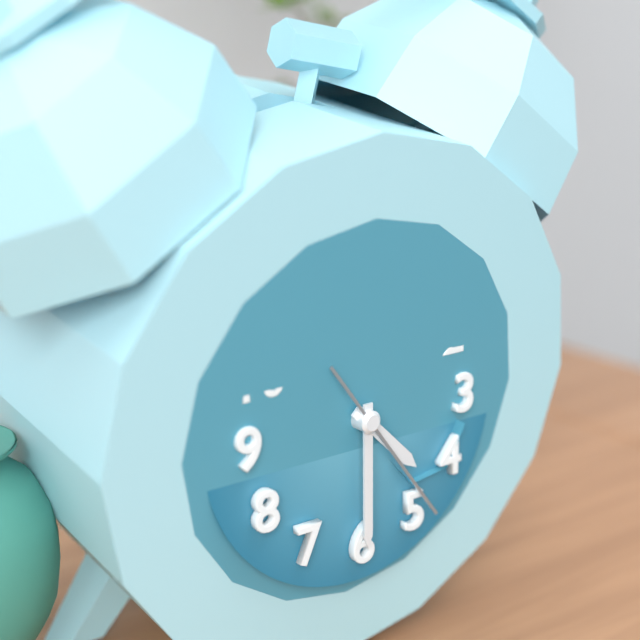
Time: **4:30:24**
